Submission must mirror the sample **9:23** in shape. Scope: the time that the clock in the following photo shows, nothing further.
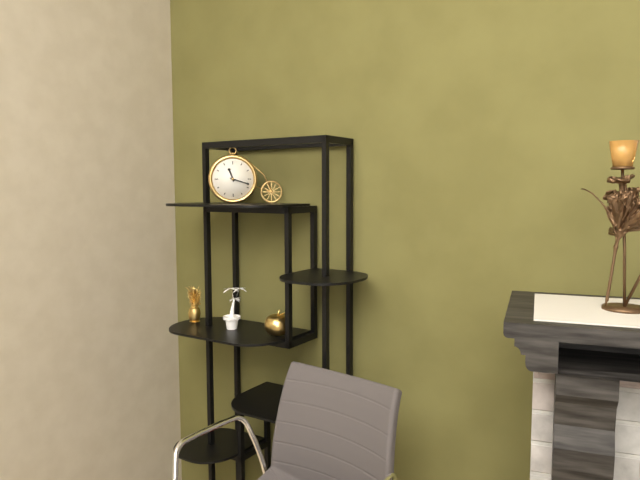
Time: **11:18**
